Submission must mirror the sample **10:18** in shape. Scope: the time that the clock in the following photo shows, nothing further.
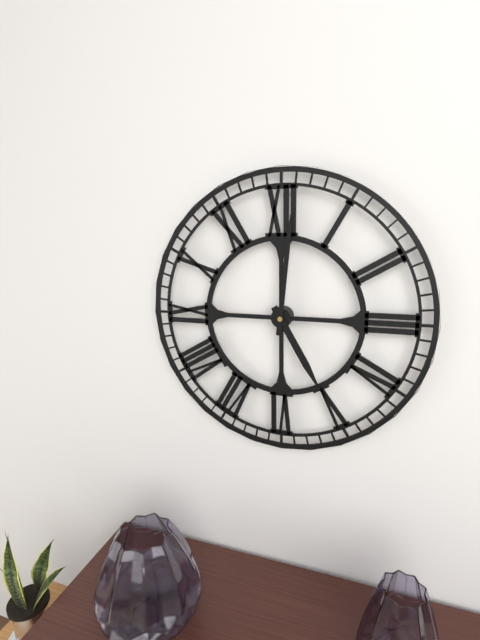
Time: **5:01**
